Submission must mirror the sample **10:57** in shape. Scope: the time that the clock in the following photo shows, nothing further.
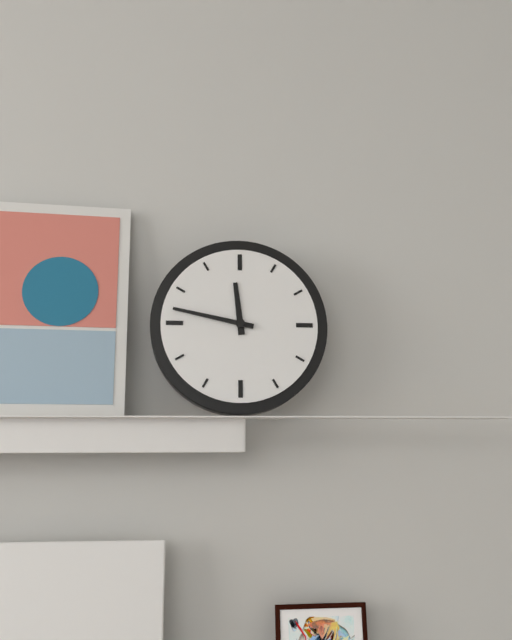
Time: **11:47**
